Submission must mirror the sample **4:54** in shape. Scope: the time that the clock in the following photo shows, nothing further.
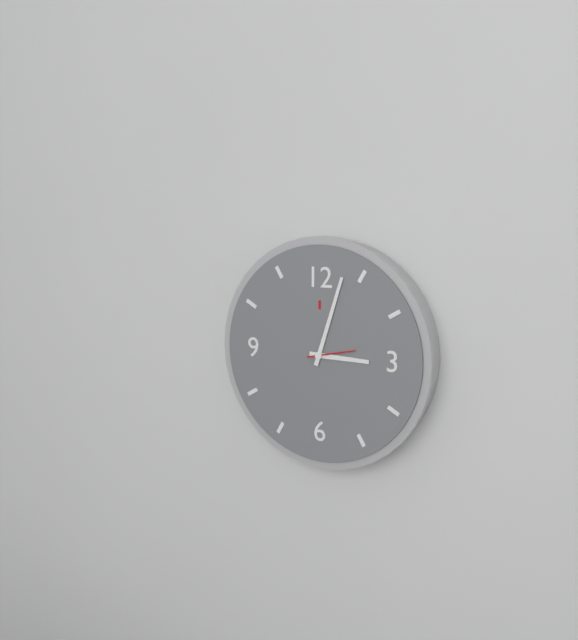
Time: **3:03**
